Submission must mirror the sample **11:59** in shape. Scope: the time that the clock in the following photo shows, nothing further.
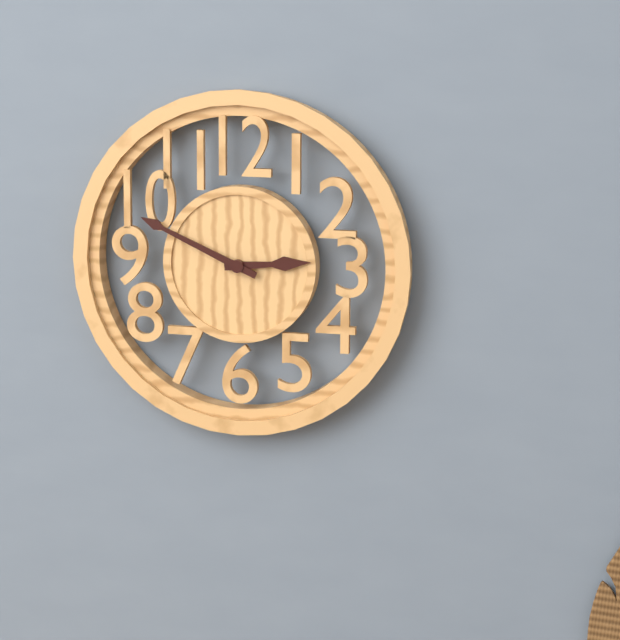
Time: **2:49**
